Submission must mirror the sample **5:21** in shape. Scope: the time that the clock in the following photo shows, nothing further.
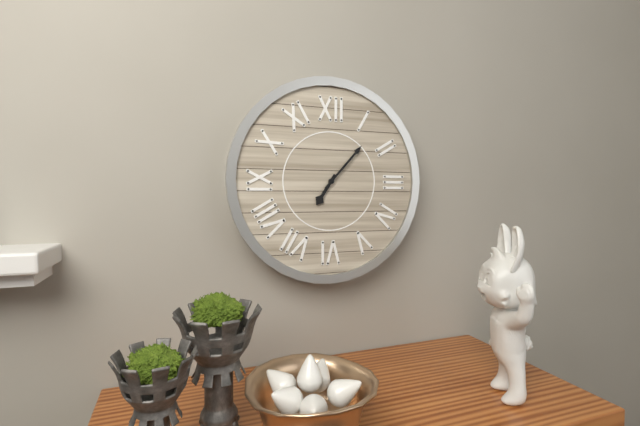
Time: **7:07**
